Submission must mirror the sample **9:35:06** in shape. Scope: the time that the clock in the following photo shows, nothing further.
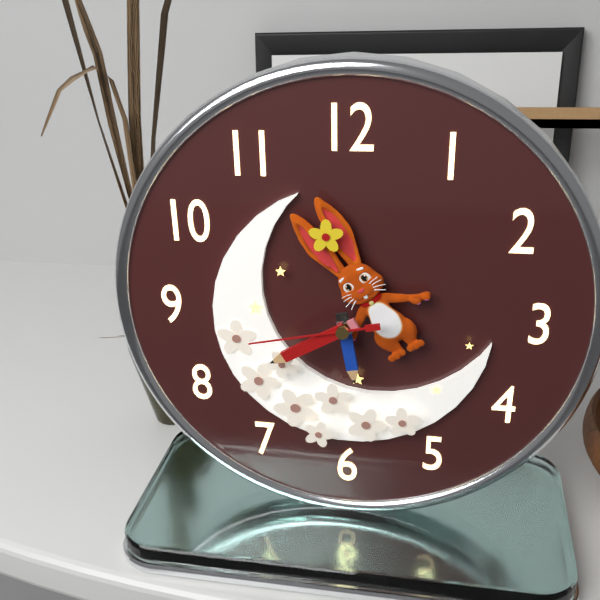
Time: **5:40:43**
